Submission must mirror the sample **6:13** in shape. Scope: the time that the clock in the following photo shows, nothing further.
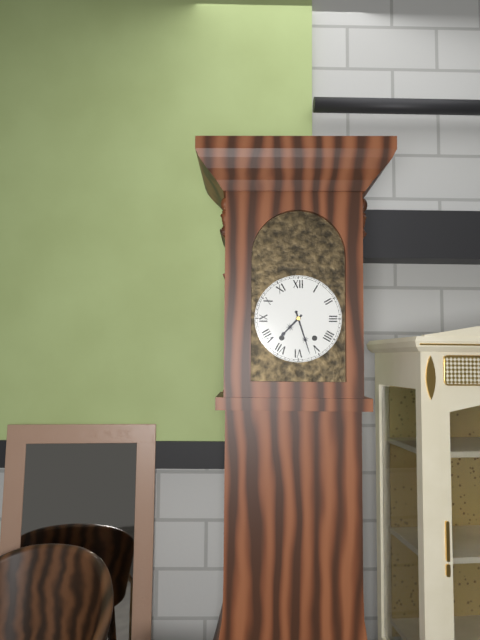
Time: **7:27**
